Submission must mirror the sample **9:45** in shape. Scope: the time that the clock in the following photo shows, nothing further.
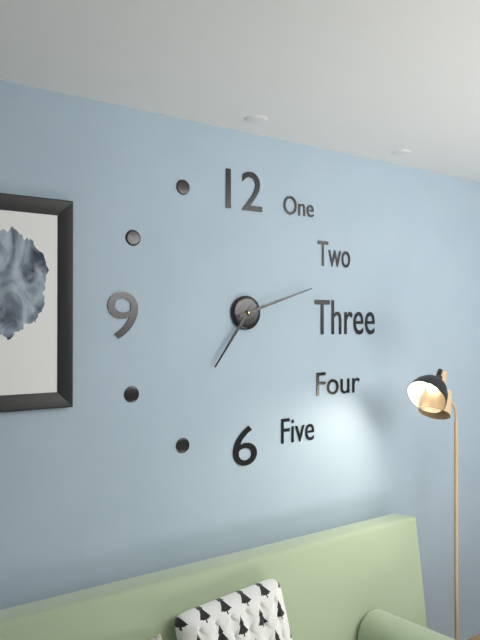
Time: **7:12**
